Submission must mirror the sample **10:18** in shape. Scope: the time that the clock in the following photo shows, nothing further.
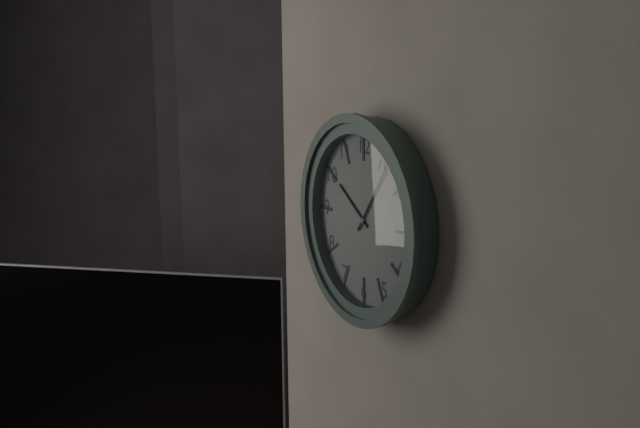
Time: **10:06**
